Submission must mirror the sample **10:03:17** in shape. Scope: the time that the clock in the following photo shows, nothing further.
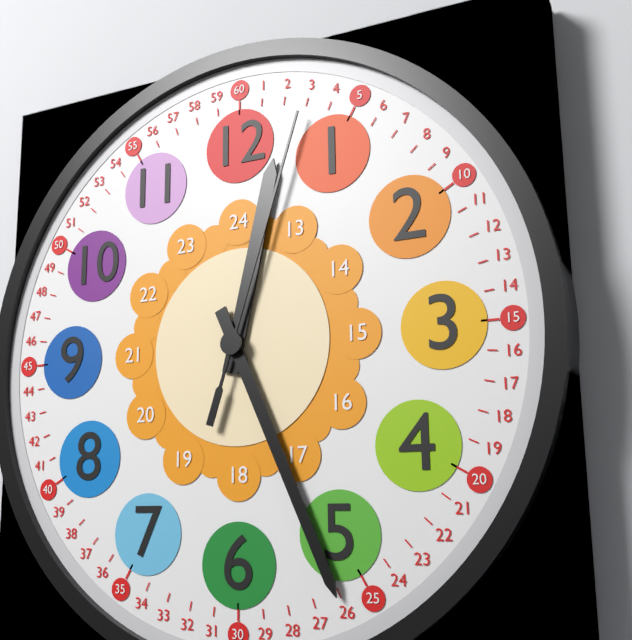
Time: **12:26:03**
